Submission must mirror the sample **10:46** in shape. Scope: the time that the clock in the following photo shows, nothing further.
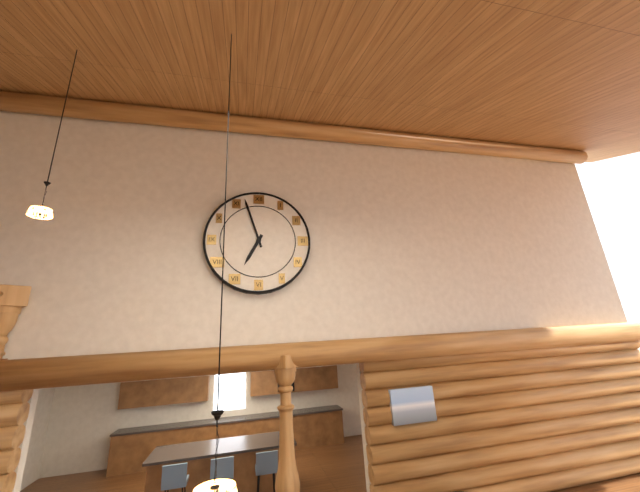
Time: **6:57**
